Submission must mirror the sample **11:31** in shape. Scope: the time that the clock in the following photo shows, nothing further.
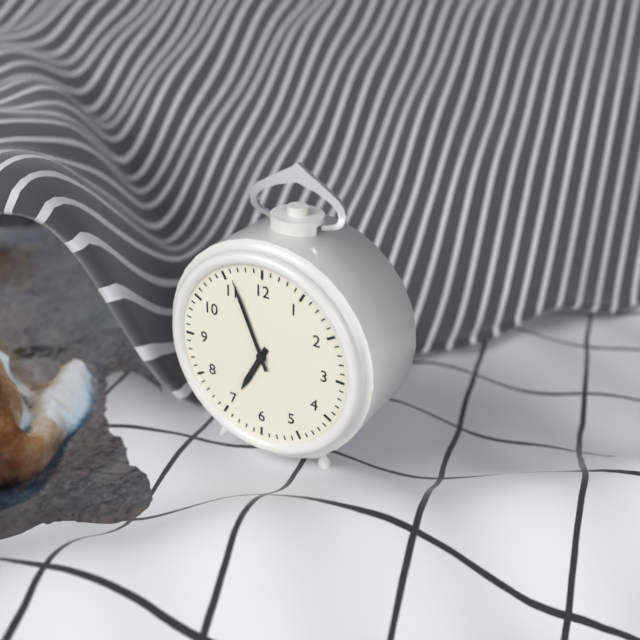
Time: **6:56**
